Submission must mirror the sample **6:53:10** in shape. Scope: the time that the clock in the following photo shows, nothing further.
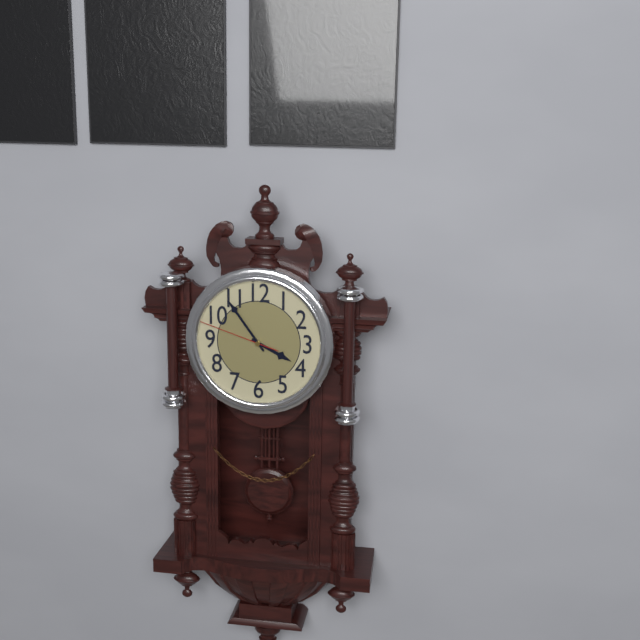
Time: **3:54:48**
